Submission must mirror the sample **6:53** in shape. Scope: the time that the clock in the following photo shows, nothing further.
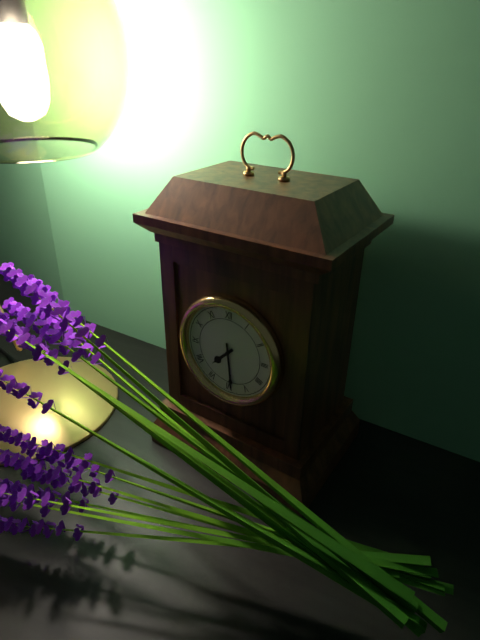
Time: **7:29**
